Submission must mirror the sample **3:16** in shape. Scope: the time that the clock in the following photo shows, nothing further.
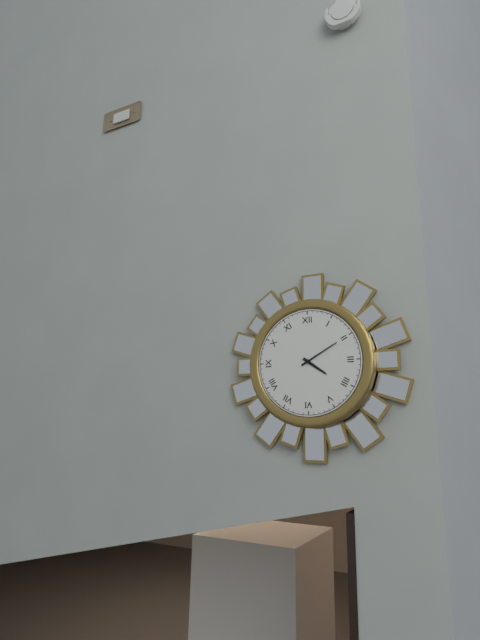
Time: **4:10**
